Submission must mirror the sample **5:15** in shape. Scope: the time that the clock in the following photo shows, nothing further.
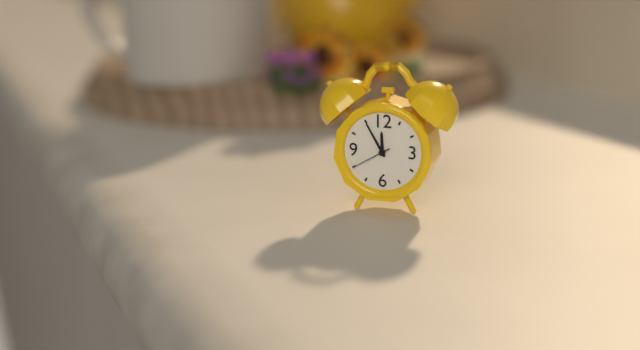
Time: **11:55**
